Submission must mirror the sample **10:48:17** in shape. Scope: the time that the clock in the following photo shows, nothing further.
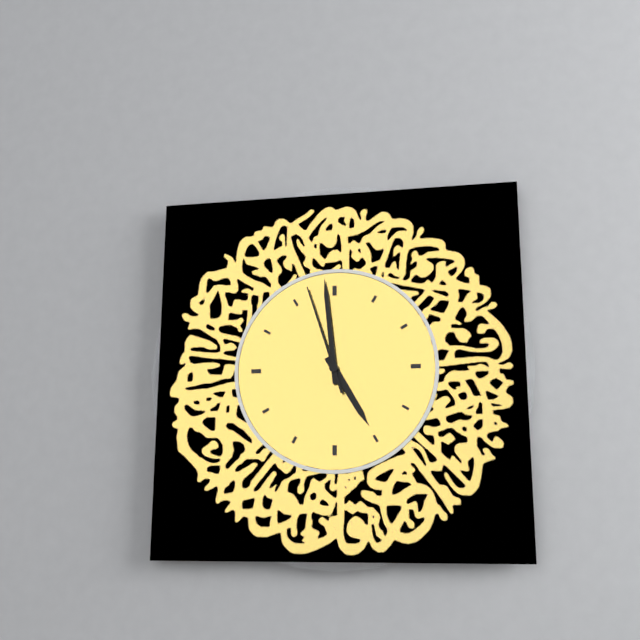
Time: **4:59:57**
